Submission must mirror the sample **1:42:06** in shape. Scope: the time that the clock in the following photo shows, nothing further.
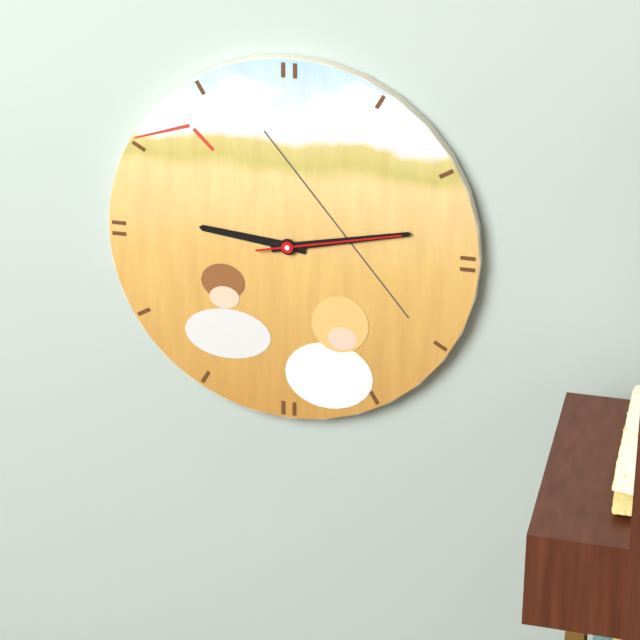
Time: **9:13:13**
